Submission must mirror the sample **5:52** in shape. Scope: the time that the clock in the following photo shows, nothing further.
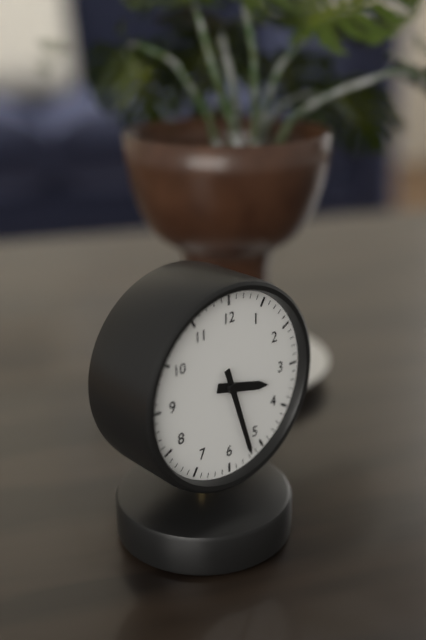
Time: **3:27**
